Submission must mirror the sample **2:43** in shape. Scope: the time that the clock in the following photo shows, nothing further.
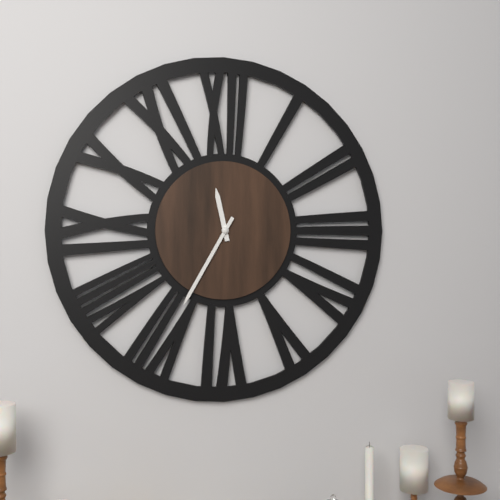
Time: **11:35**
